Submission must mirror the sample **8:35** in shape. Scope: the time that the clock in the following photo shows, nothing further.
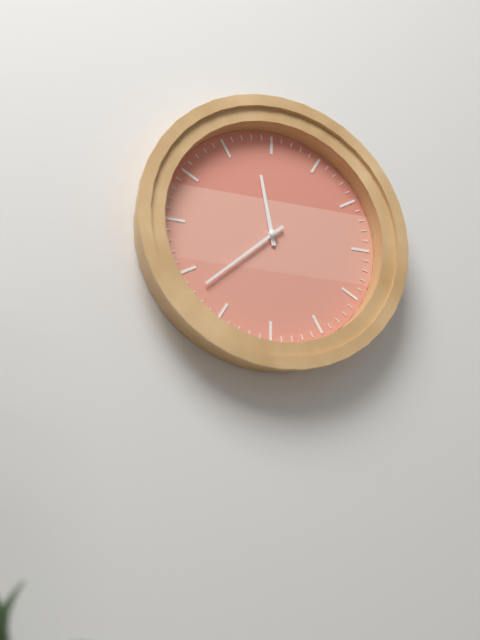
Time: **11:38**
